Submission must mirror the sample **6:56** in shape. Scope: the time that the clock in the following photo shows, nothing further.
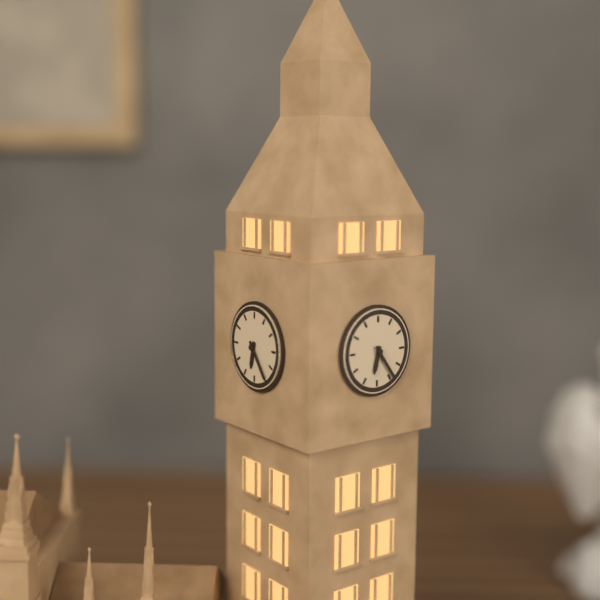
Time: **6:24**
